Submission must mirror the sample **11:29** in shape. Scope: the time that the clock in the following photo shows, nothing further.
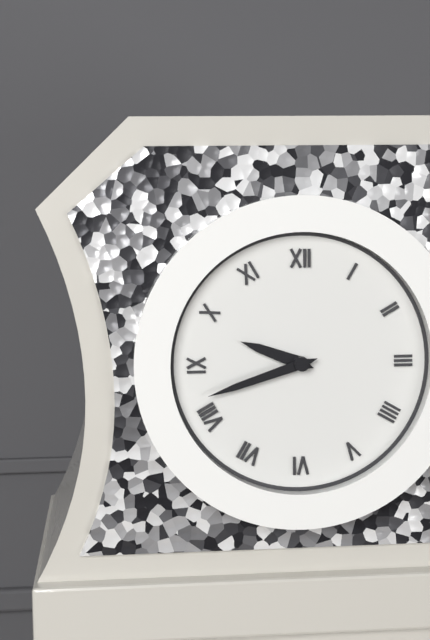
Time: **9:42**
